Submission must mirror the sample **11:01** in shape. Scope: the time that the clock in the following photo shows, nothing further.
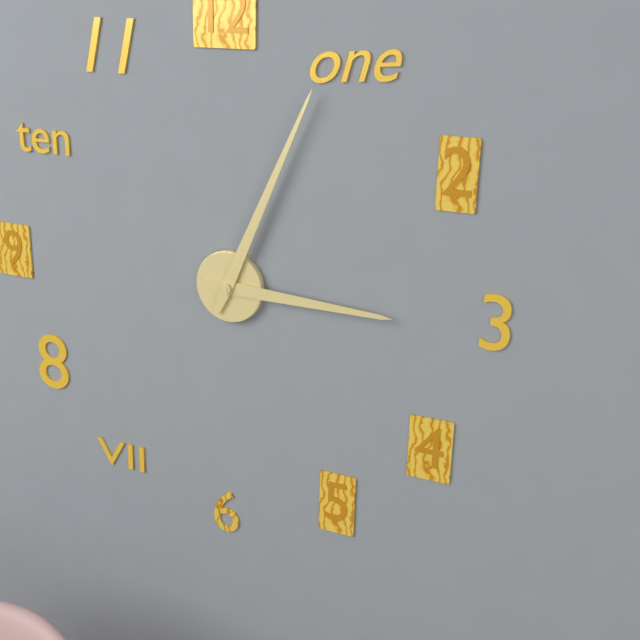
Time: **3:04**
